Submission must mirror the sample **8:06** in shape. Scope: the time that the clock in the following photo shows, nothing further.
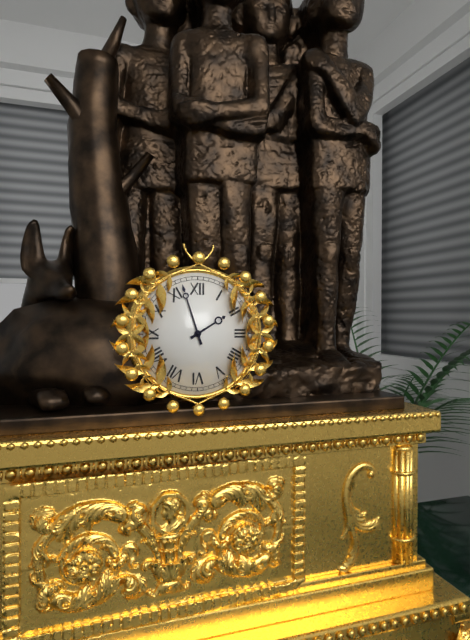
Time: **1:57**
